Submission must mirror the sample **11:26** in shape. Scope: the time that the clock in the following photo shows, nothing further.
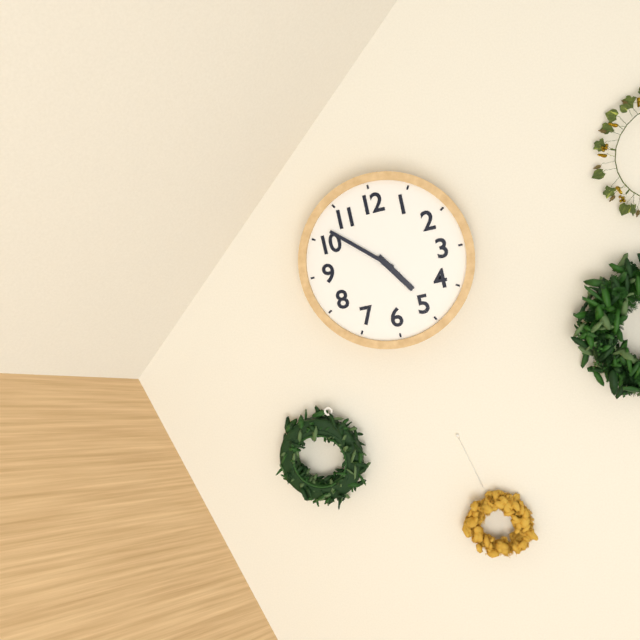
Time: **4:52**
